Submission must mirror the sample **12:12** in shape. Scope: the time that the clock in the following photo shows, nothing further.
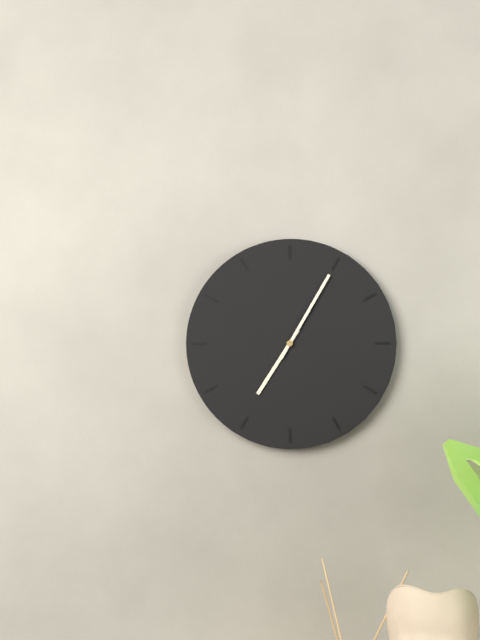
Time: **7:05**
